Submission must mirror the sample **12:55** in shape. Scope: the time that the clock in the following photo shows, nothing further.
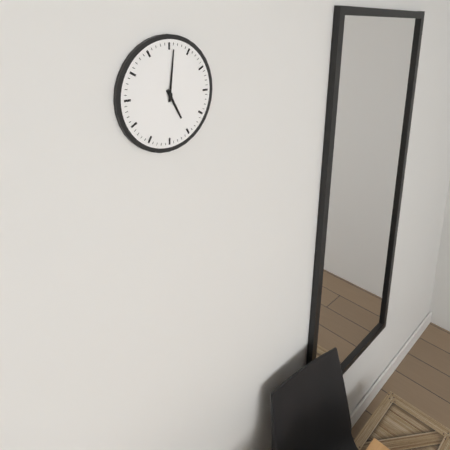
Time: **5:01**
